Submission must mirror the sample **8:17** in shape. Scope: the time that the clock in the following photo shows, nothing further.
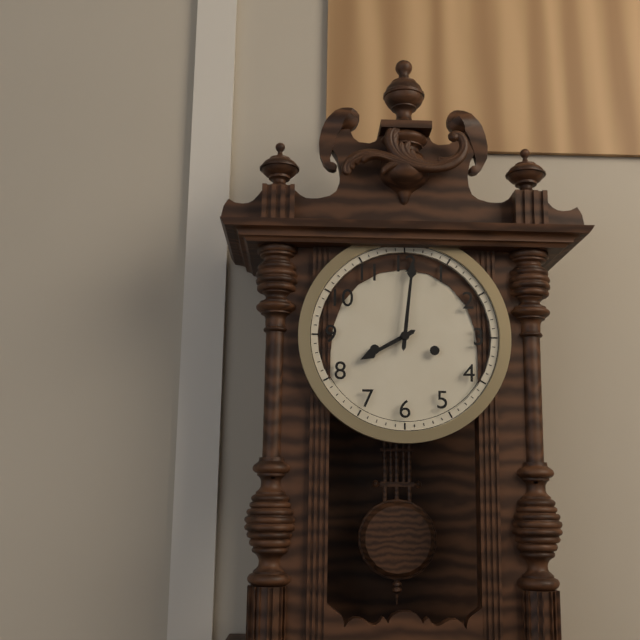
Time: **8:01**
